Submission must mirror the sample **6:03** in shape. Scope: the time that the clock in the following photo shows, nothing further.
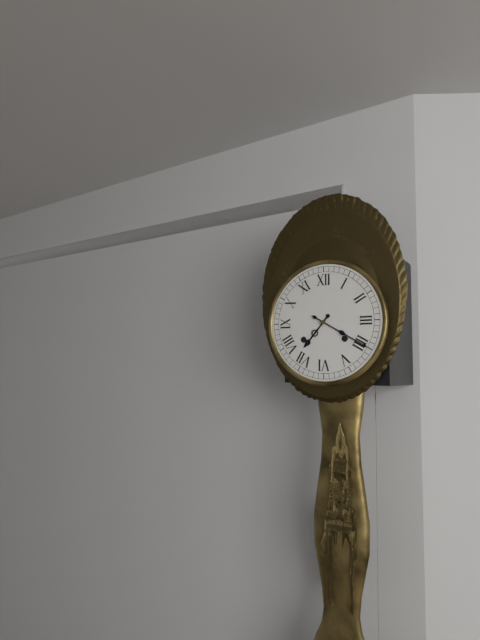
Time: **7:20**
